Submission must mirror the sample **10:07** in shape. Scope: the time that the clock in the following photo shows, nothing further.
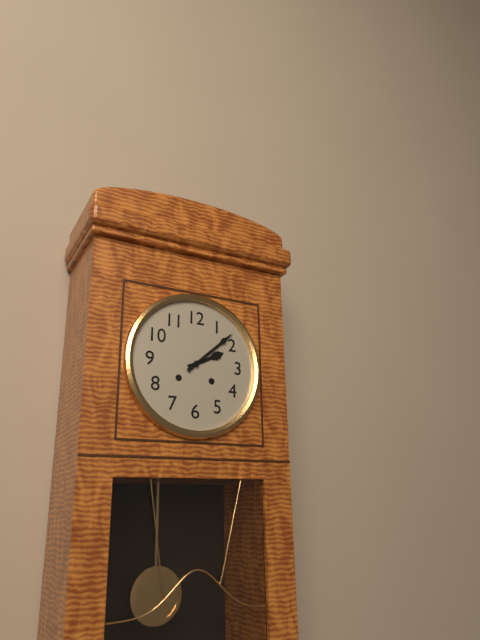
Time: **2:08**
